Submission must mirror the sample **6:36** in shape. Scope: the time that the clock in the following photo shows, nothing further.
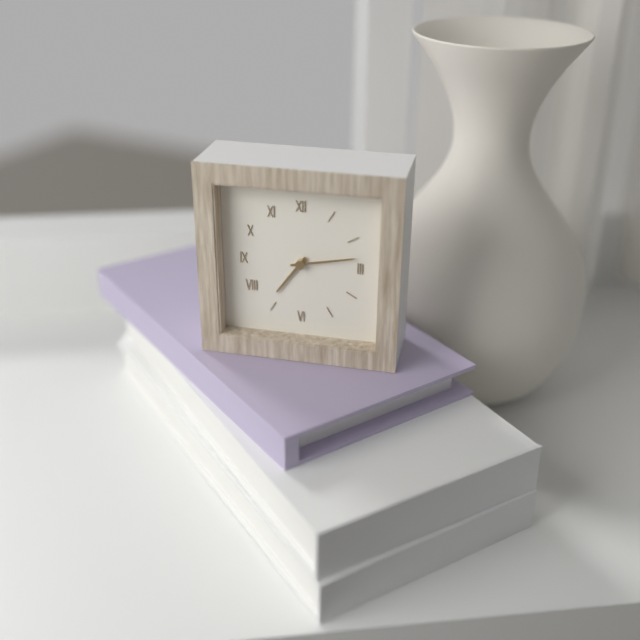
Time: **7:13**
